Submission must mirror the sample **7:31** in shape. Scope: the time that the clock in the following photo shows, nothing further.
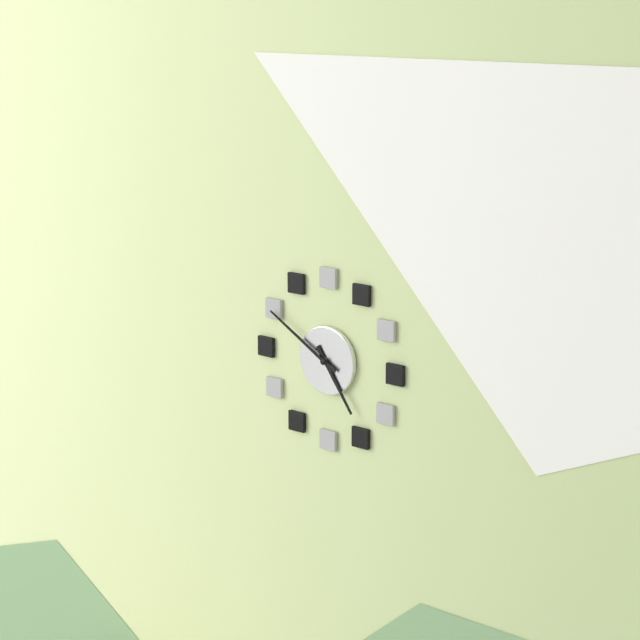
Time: **4:50**
